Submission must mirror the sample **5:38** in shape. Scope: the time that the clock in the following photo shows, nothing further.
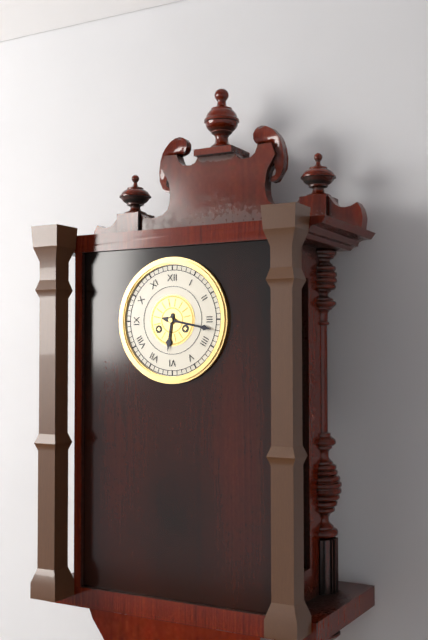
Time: **6:17**
